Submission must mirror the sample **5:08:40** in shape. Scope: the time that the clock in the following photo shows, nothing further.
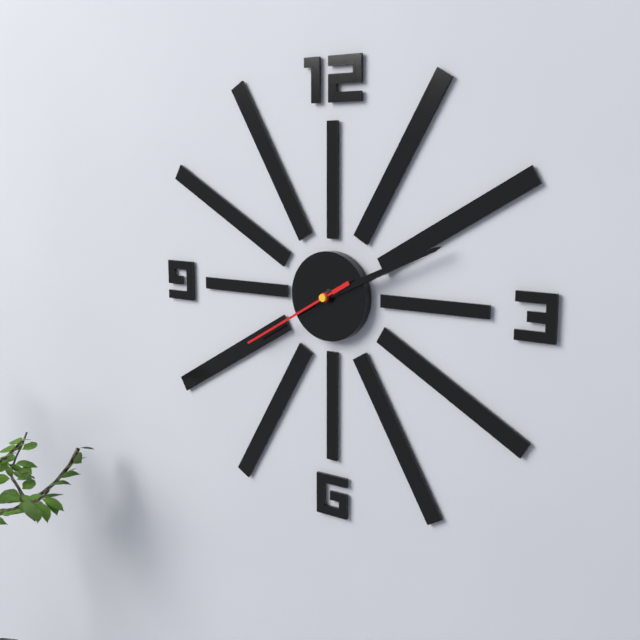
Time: **2:11:40**
